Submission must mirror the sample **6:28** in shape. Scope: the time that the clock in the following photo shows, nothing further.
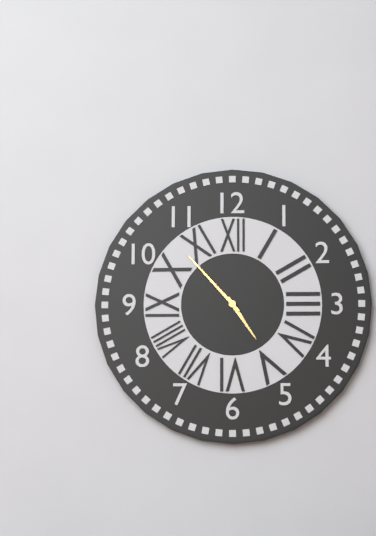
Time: **4:53**
